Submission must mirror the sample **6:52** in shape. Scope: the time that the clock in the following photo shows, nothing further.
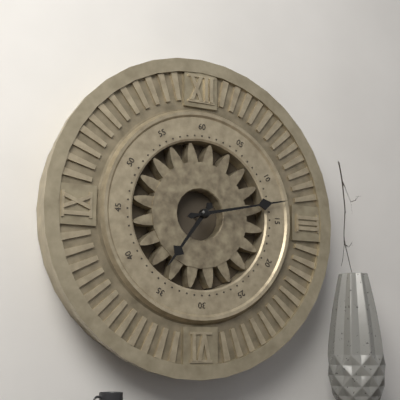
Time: **7:13**
